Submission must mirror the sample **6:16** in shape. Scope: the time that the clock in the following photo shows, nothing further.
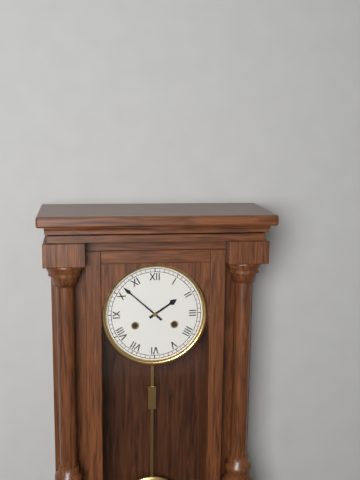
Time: **1:52**
